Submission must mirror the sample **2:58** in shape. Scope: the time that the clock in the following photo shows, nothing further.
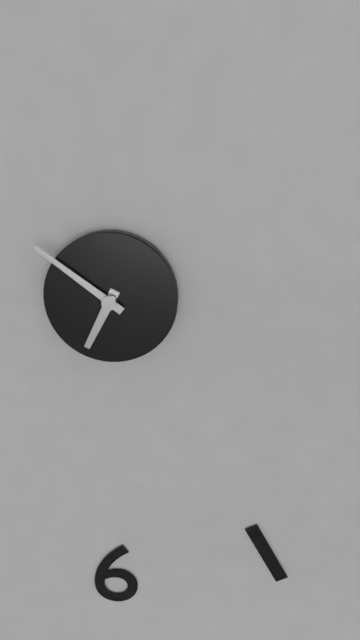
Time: **6:51**
